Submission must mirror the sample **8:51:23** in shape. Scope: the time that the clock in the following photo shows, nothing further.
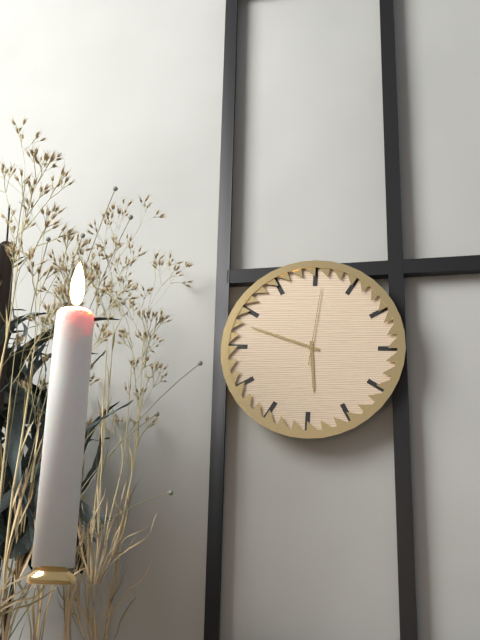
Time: **5:48:01**
